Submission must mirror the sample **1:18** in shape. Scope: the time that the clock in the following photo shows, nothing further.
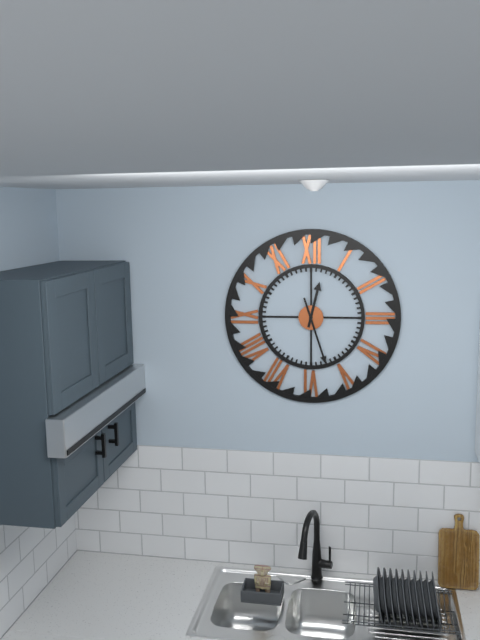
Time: **12:27**
